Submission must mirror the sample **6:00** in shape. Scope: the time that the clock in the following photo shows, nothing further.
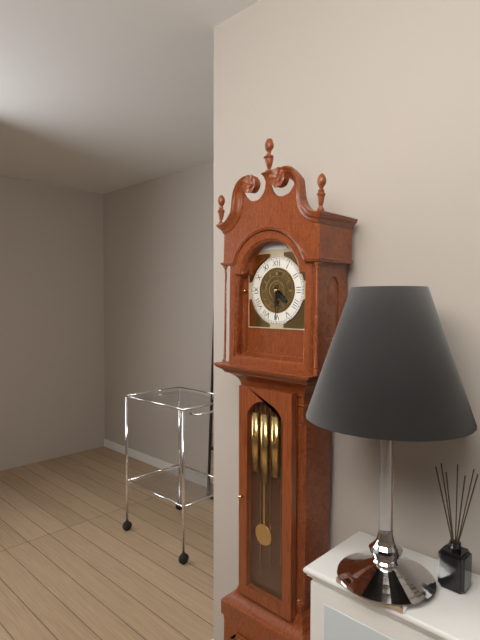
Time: **4:30**
